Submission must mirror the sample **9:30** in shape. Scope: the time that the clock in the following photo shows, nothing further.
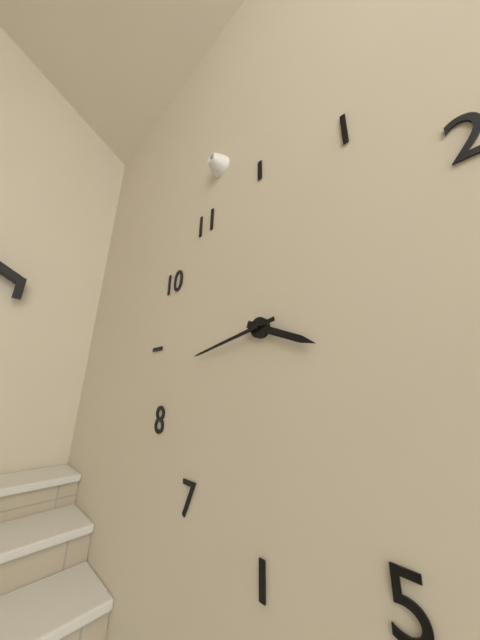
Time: **3:43**
